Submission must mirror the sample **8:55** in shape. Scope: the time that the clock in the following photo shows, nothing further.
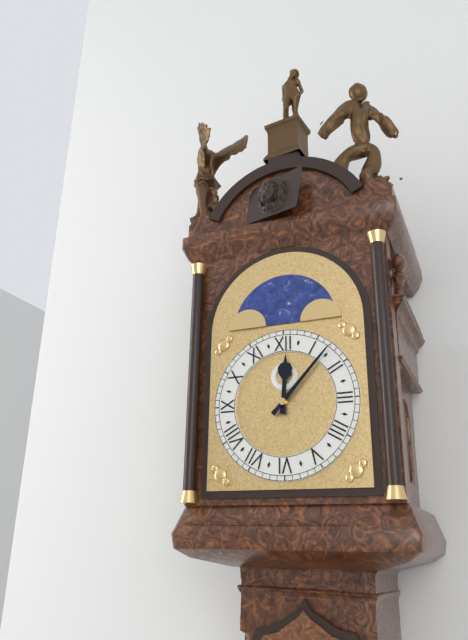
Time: **12:07**
